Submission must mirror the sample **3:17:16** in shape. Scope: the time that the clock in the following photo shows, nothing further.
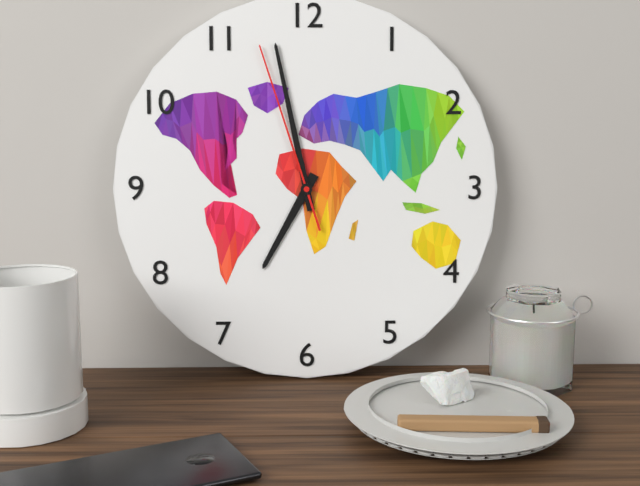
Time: **6:58:57**
